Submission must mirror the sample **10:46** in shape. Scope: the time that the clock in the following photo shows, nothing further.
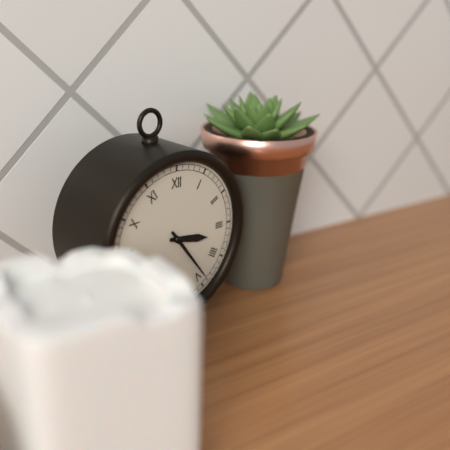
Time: **3:24**
